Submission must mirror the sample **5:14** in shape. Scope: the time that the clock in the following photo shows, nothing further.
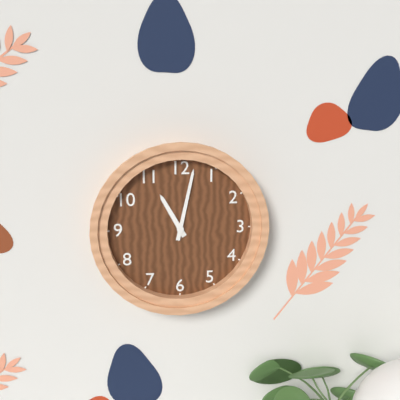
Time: **11:02**
